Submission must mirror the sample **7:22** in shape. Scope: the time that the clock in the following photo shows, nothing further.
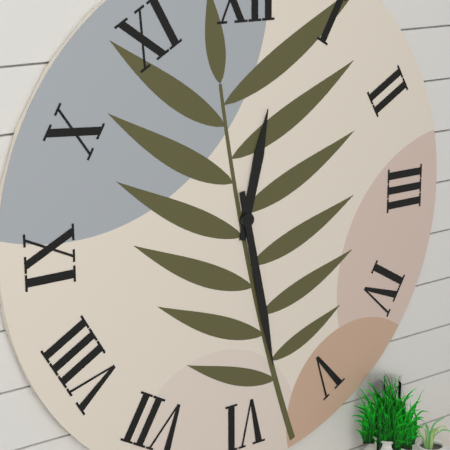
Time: **12:28**
